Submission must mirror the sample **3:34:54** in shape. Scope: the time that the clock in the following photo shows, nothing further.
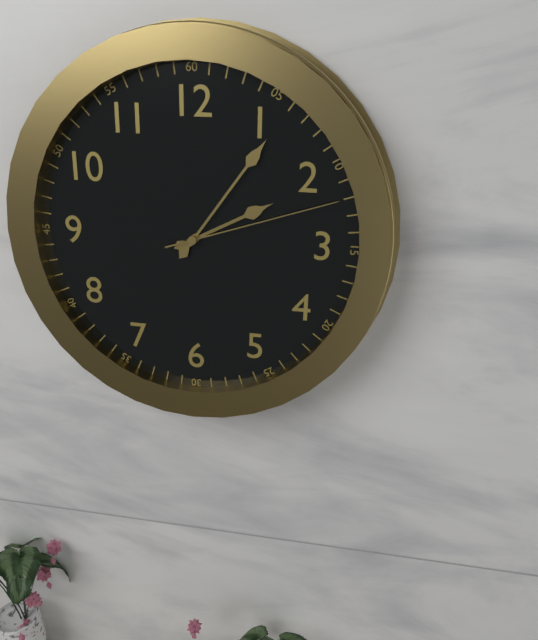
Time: **2:06:12**
